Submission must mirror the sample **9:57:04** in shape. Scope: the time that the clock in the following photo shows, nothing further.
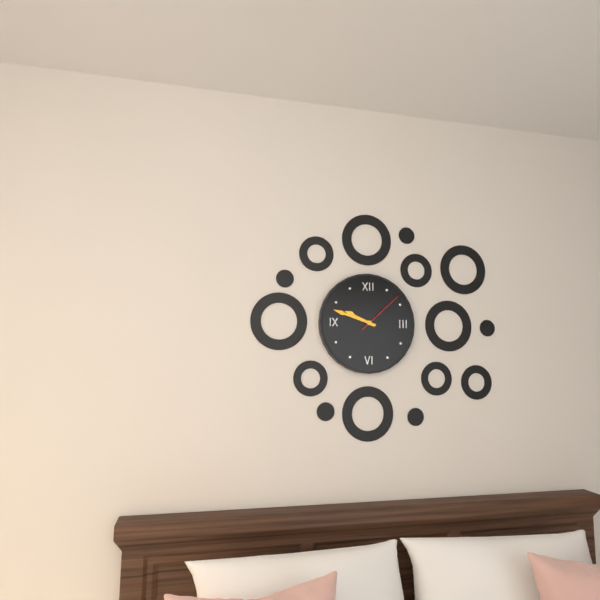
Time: **9:48:08**
